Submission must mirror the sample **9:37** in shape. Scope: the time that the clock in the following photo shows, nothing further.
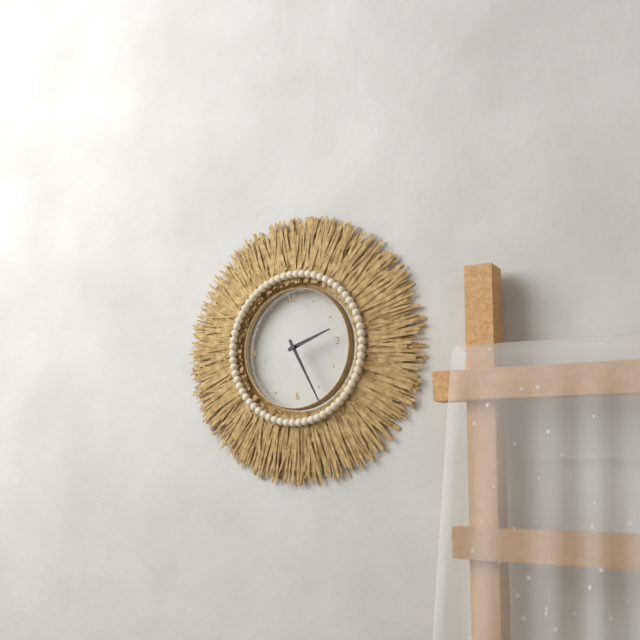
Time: **2:26**
